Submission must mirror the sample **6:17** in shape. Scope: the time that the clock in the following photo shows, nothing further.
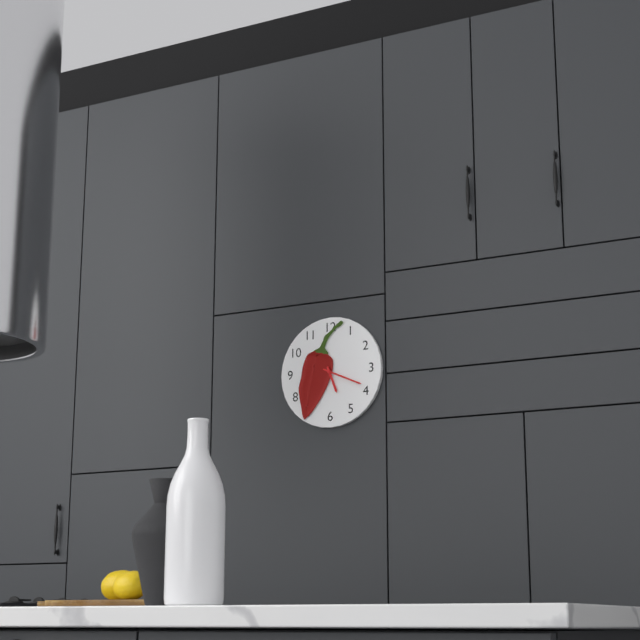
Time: **5:19**
